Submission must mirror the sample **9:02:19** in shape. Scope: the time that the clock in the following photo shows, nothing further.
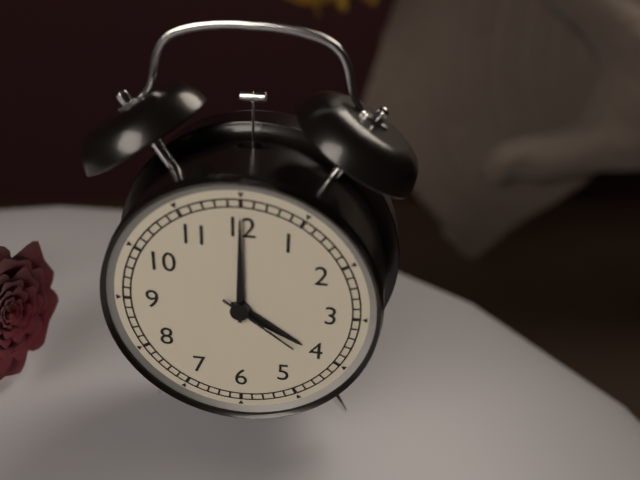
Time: **4:00:21**
